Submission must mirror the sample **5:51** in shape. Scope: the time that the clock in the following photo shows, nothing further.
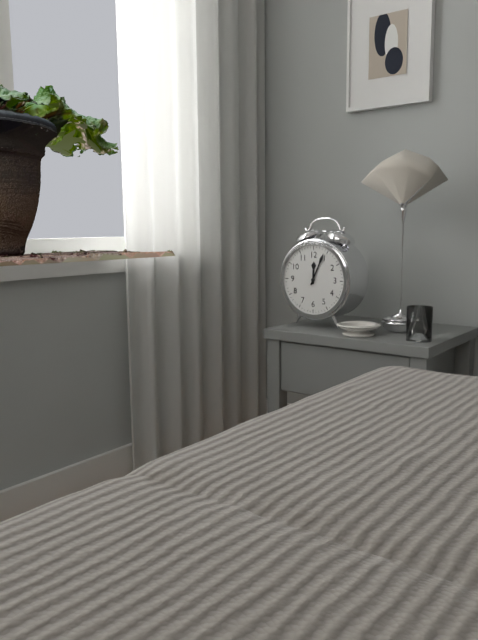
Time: **12:04**
